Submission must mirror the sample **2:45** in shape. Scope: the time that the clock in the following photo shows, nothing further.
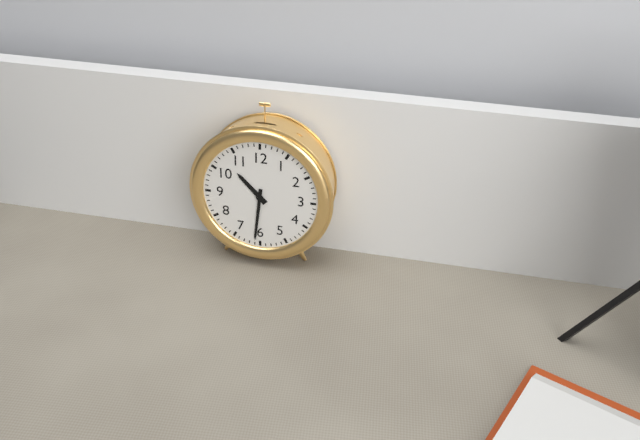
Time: **10:31**
